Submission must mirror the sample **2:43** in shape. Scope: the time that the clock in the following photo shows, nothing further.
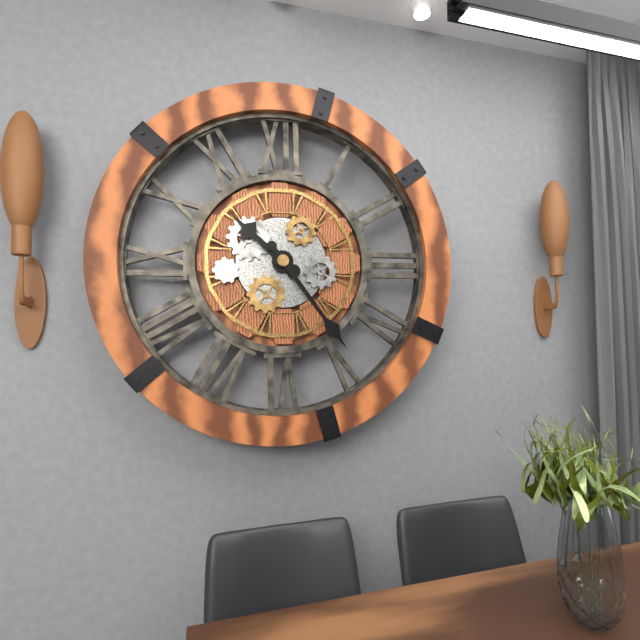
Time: **10:24**
